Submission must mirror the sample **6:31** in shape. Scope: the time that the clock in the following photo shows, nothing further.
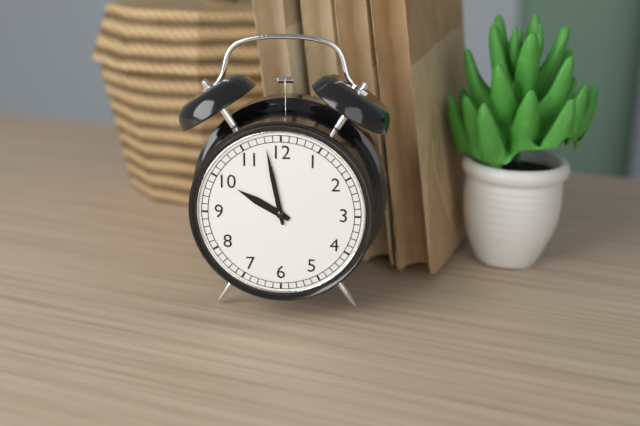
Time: **9:58**
